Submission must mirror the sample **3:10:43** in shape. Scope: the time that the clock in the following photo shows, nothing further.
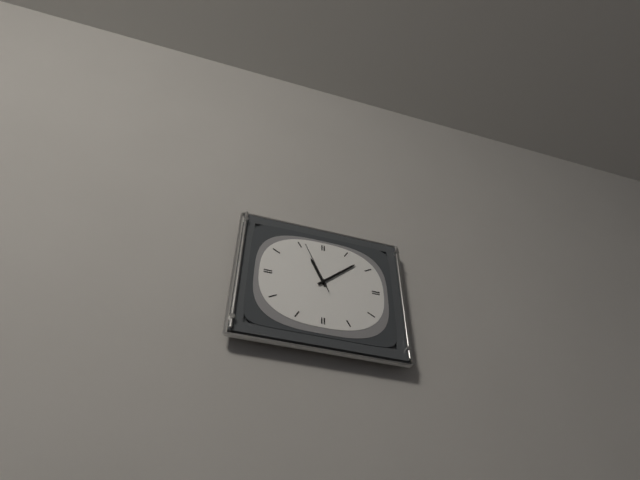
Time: **11:08:56**
